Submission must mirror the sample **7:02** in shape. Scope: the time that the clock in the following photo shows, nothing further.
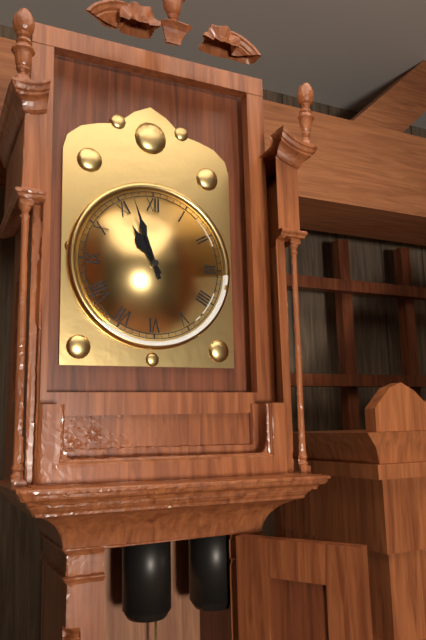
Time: **10:57**
